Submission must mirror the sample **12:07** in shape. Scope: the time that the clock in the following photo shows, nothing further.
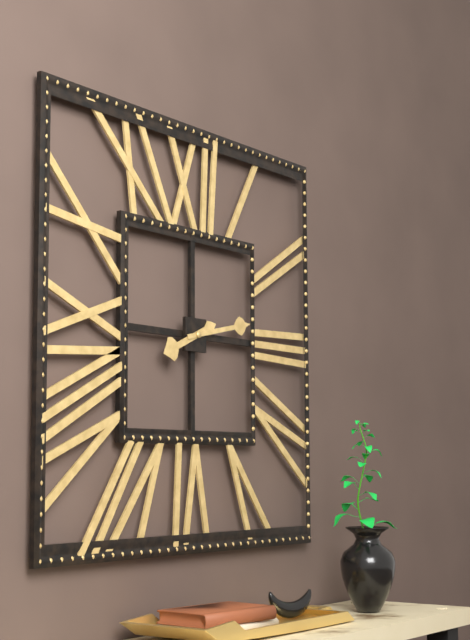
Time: **8:13**
